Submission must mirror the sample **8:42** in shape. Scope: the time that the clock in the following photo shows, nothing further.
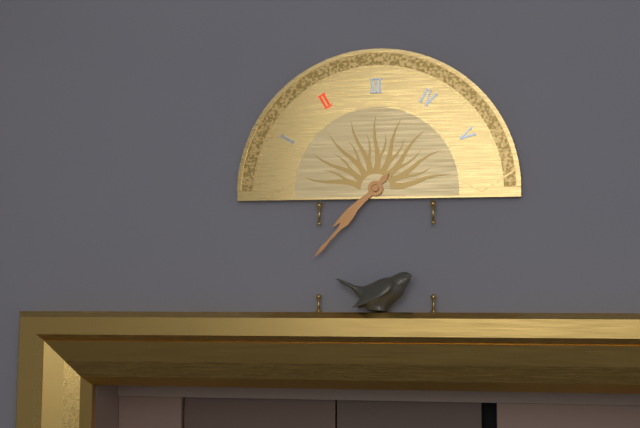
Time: **7:37**
